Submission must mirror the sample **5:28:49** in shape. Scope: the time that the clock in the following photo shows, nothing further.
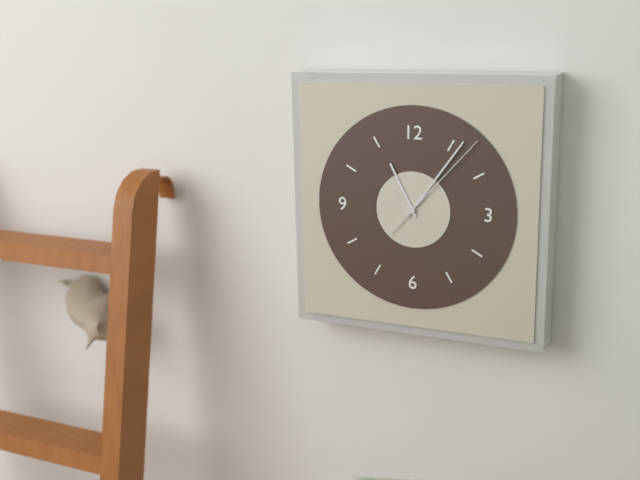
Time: **11:06:07**
